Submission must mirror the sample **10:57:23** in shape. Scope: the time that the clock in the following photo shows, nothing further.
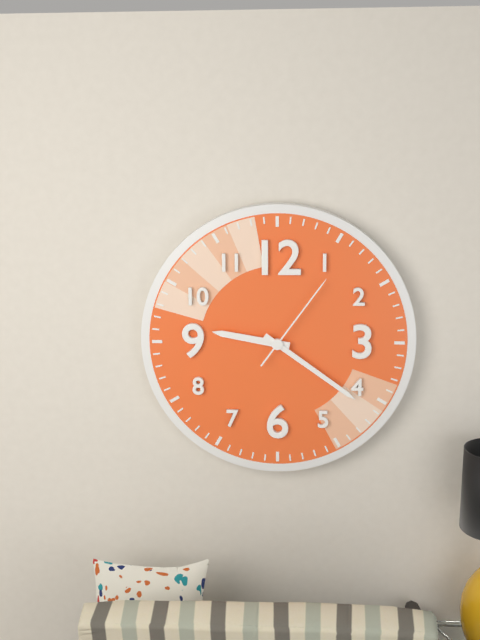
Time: **9:21:06**
